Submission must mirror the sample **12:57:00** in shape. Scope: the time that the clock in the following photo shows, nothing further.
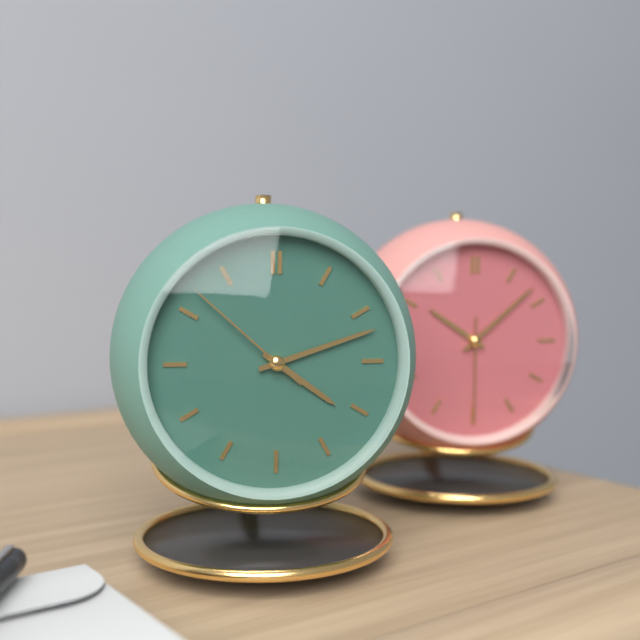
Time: **4:12:52**
